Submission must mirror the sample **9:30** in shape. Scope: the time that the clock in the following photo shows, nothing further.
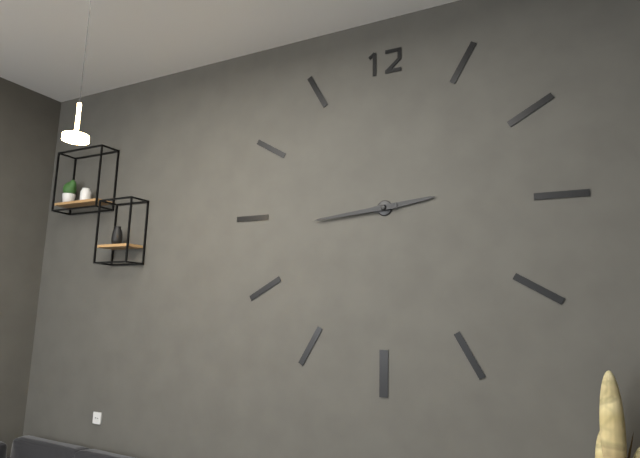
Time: **2:44**
